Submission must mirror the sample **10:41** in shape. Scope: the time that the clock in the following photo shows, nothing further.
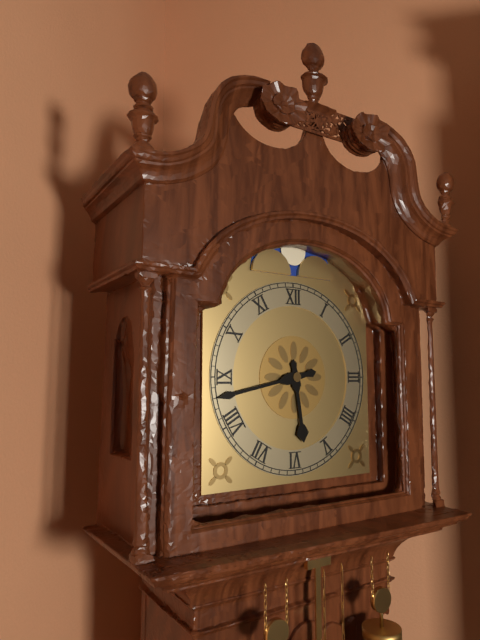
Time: **5:43**
